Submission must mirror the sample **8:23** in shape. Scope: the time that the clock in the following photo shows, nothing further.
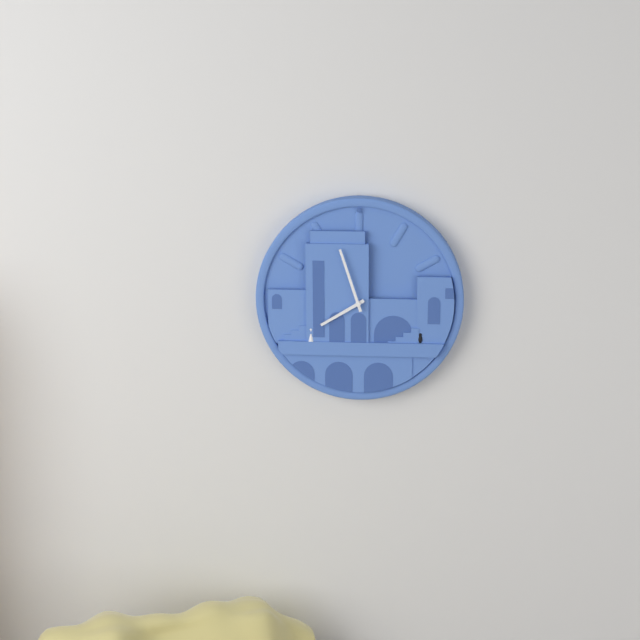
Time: **7:57**
